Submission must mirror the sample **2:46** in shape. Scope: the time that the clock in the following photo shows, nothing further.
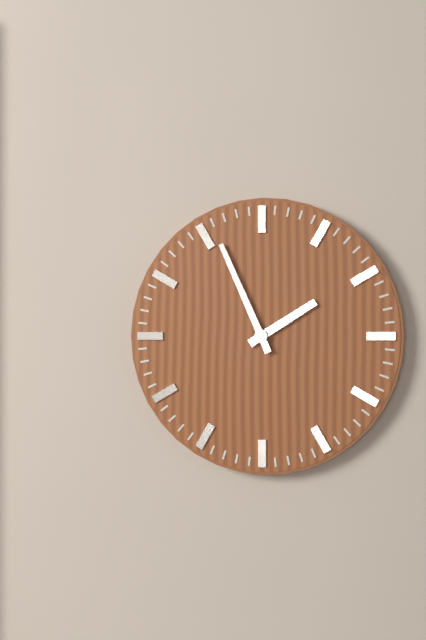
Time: **1:56**
